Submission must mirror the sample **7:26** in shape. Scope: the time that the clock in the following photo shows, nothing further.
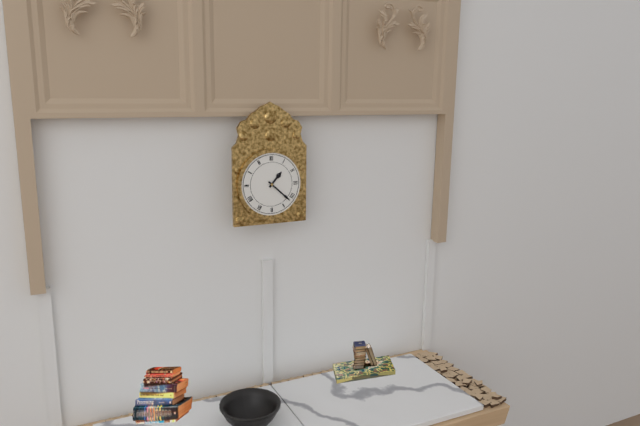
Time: **1:22**
